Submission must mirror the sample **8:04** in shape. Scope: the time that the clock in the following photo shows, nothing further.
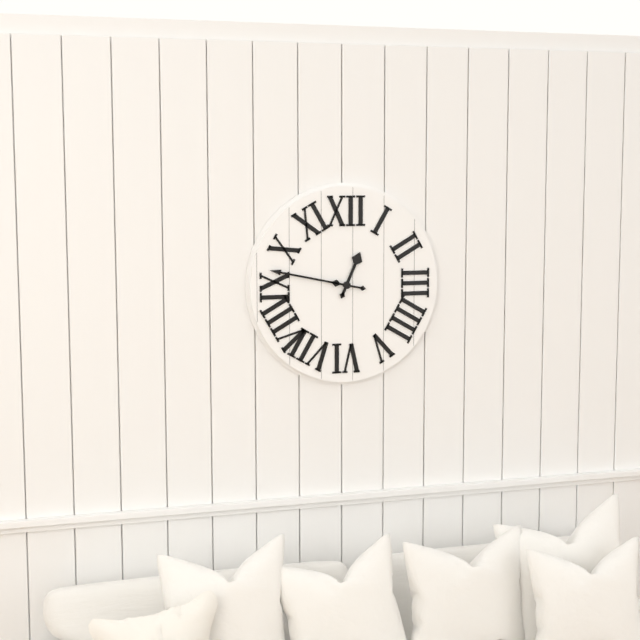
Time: **12:47**
